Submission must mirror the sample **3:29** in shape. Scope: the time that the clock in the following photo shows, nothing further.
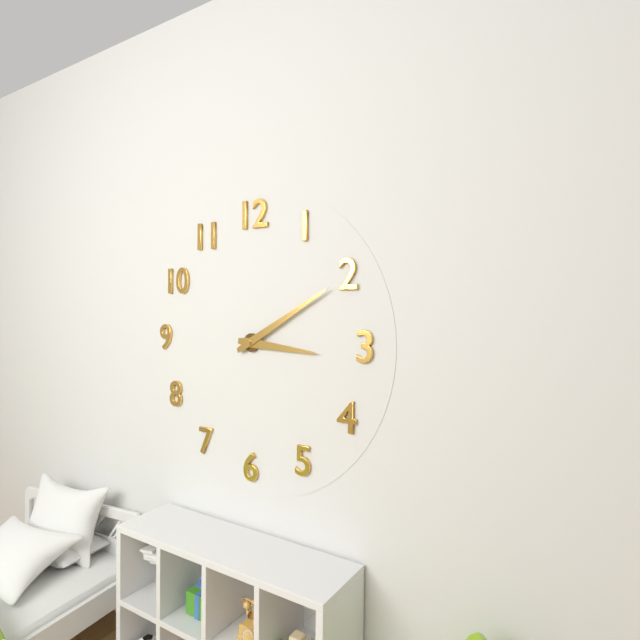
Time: **3:10**
